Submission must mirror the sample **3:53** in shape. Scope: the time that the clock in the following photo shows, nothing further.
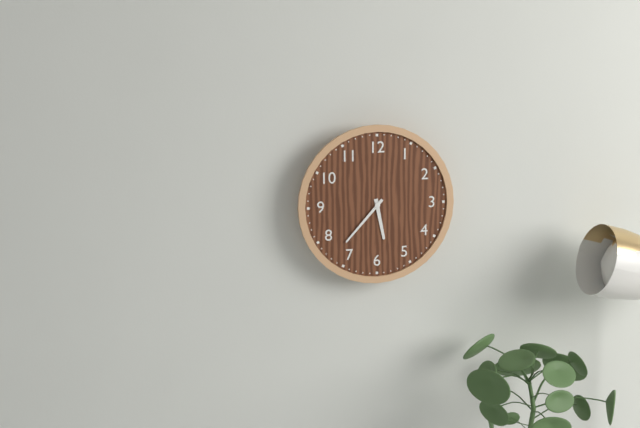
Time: **5:37**
